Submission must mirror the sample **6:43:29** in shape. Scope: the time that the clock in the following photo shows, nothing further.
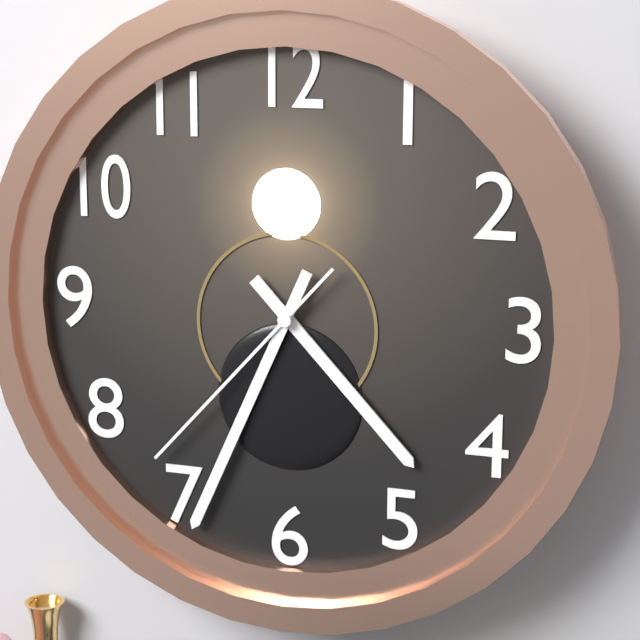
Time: **4:34:37**
